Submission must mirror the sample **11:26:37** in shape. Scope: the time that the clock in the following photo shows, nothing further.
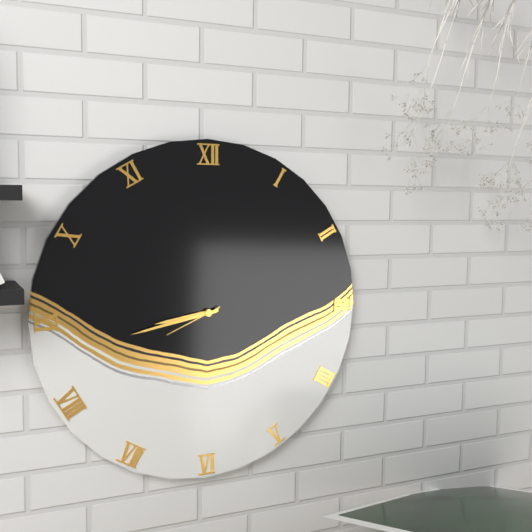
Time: **8:43:41**
